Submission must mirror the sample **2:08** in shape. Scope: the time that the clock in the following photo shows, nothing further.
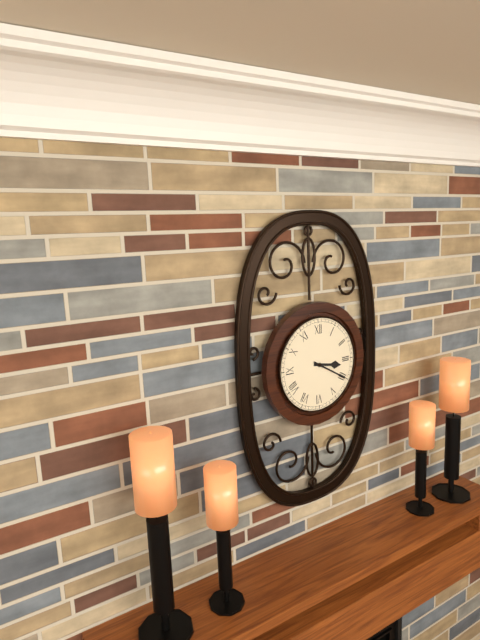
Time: **3:20**
